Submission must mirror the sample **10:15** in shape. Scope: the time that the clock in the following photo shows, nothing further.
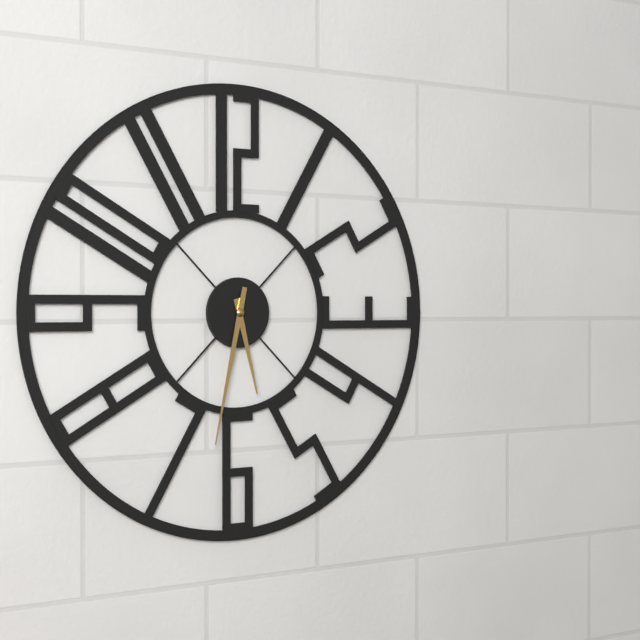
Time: **5:32**
